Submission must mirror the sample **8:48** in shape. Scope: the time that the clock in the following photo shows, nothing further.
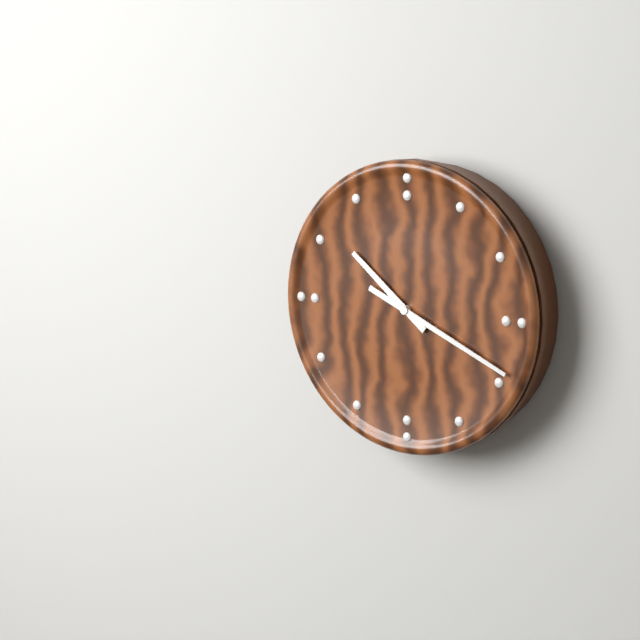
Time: **10:19**
